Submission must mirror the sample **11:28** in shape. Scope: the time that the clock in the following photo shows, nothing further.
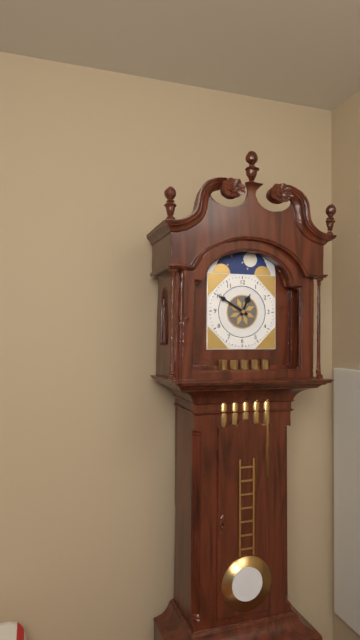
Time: **12:50**
